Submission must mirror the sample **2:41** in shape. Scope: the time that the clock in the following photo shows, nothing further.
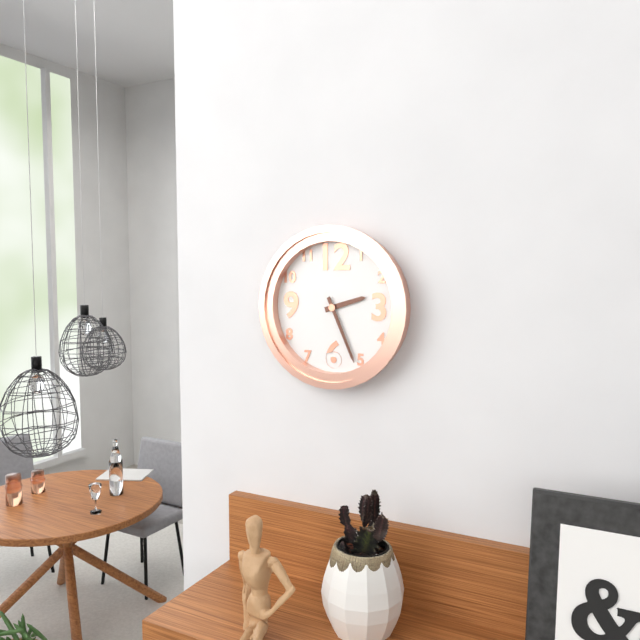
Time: **2:26**
